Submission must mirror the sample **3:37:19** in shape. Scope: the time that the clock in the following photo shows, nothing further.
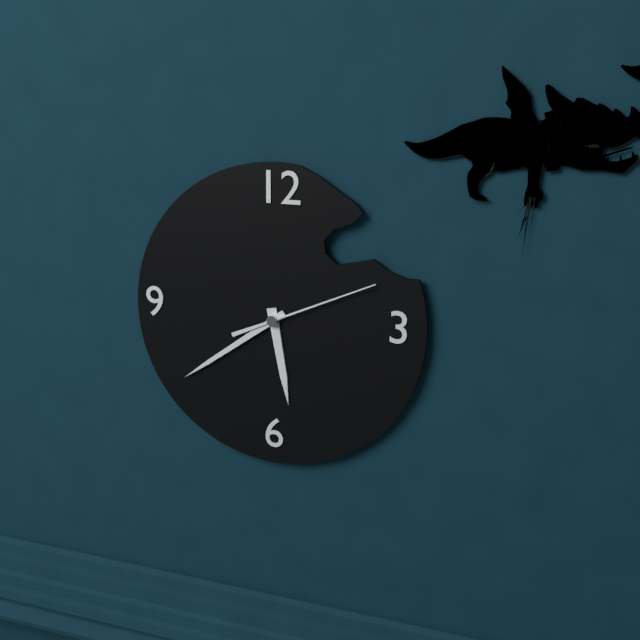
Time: **5:39:11**
